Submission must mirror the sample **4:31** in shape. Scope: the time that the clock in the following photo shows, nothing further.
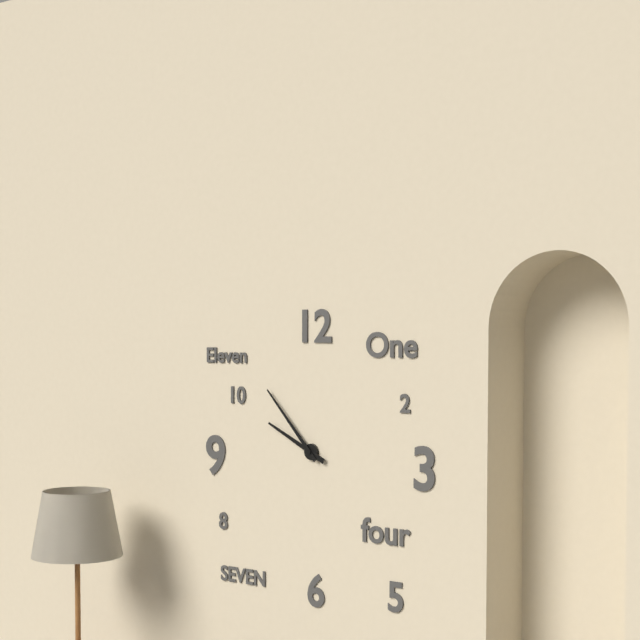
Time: **9:53**
